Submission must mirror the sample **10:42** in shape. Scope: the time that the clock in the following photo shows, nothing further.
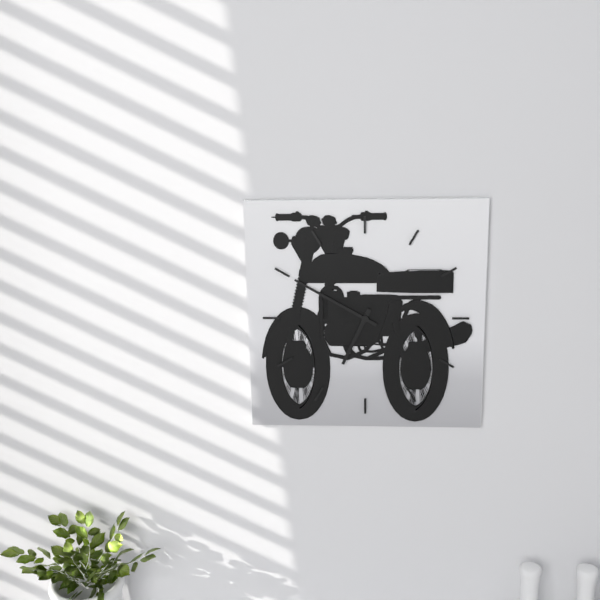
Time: **6:50**
